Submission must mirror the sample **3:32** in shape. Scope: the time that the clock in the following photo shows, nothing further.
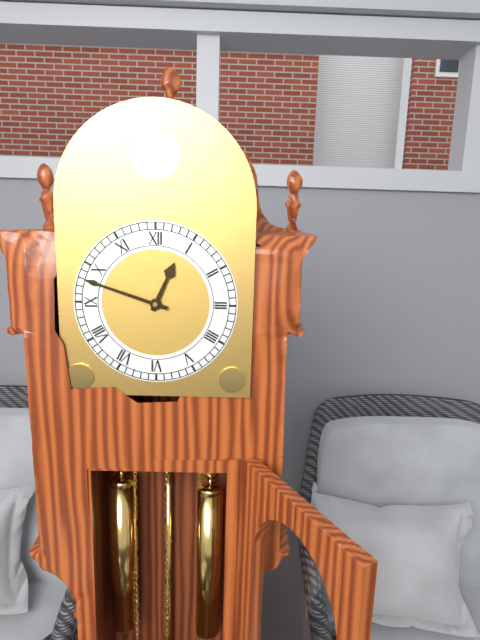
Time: **12:48**
